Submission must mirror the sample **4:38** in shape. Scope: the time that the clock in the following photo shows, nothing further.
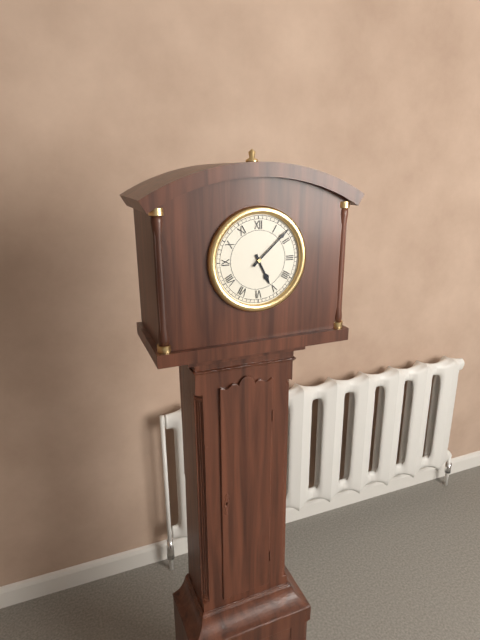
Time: **5:08**
